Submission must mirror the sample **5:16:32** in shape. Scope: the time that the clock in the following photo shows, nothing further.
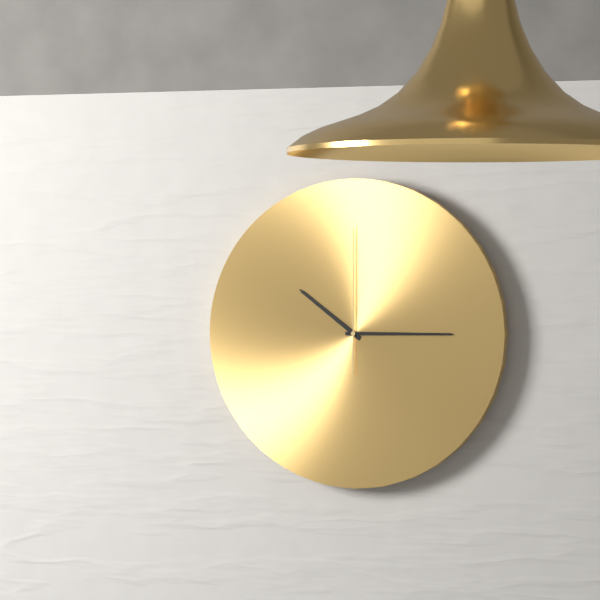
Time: **10:15:00**
